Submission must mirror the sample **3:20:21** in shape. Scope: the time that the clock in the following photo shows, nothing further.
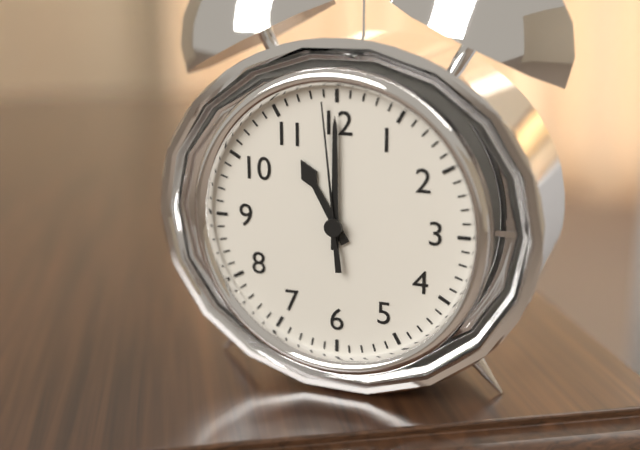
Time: **11:00:59**
